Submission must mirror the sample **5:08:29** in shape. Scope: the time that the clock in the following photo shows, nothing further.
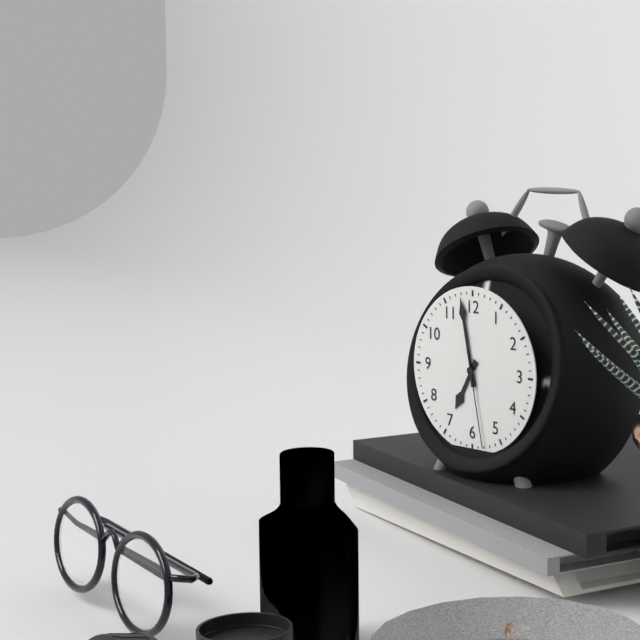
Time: **6:58:28**
